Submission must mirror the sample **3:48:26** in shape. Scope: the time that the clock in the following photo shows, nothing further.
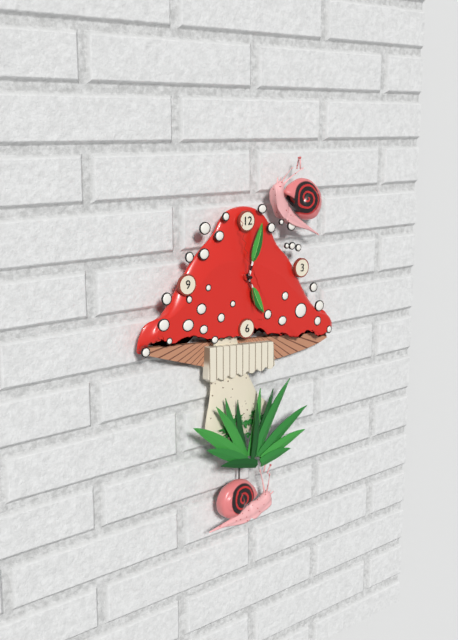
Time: **5:03:58**
